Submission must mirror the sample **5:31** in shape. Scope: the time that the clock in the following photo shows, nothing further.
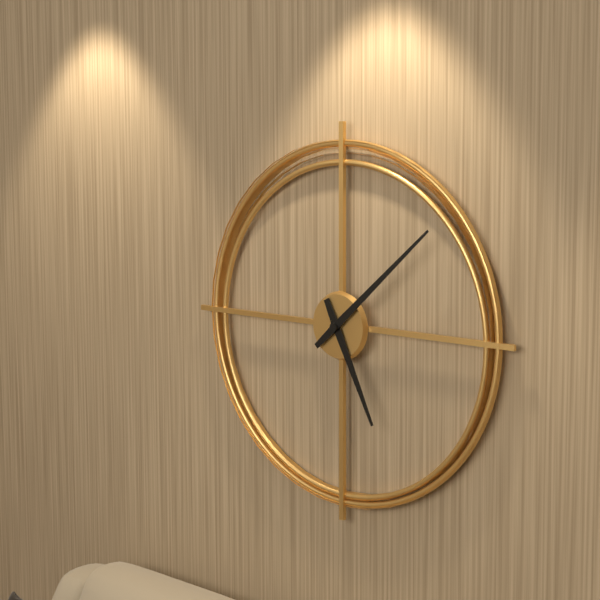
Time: **5:08**
